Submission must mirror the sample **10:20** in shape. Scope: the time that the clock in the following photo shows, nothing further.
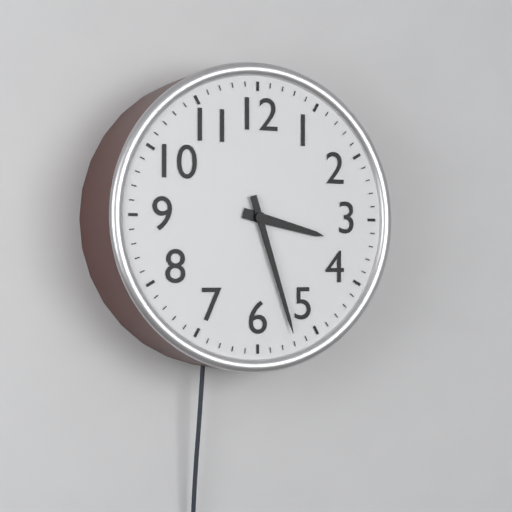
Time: **3:27**
